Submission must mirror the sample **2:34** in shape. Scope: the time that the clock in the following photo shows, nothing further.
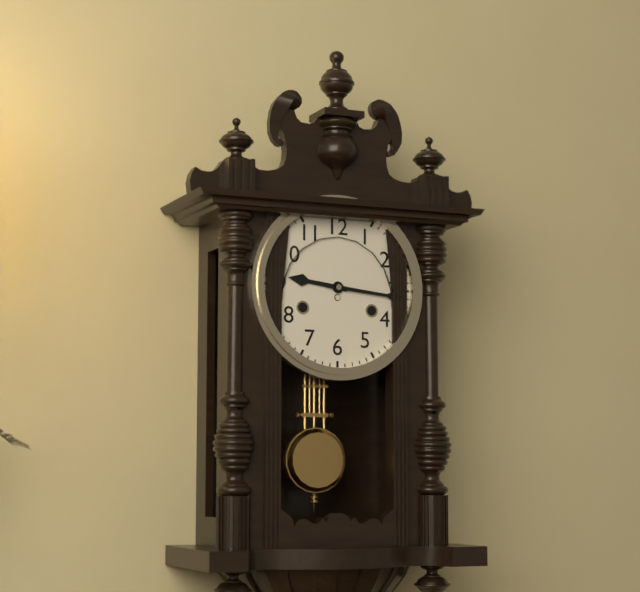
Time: **9:16**
